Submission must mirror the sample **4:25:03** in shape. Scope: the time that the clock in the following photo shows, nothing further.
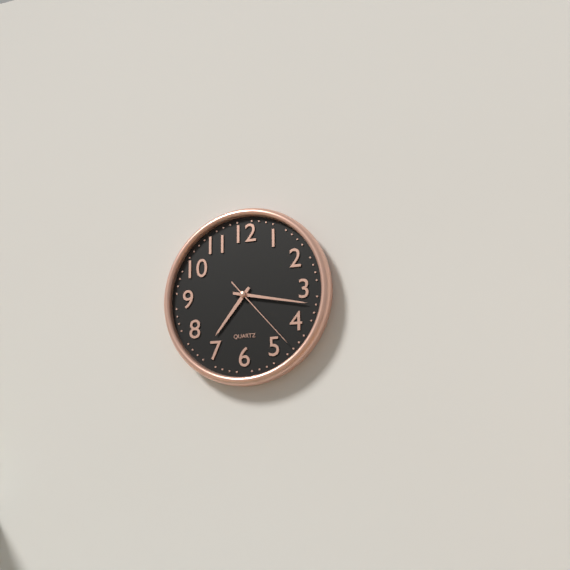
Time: **7:17:23**
